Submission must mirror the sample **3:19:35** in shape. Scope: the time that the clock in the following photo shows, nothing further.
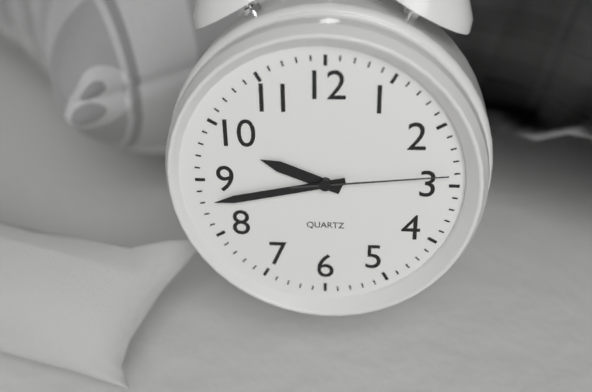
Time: **9:43:14**
